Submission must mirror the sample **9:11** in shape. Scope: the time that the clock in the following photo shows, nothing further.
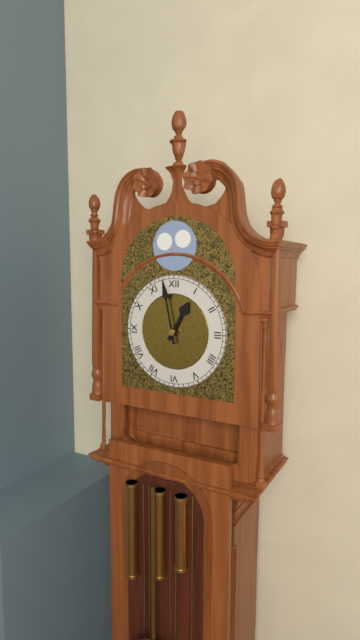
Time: **12:58**
